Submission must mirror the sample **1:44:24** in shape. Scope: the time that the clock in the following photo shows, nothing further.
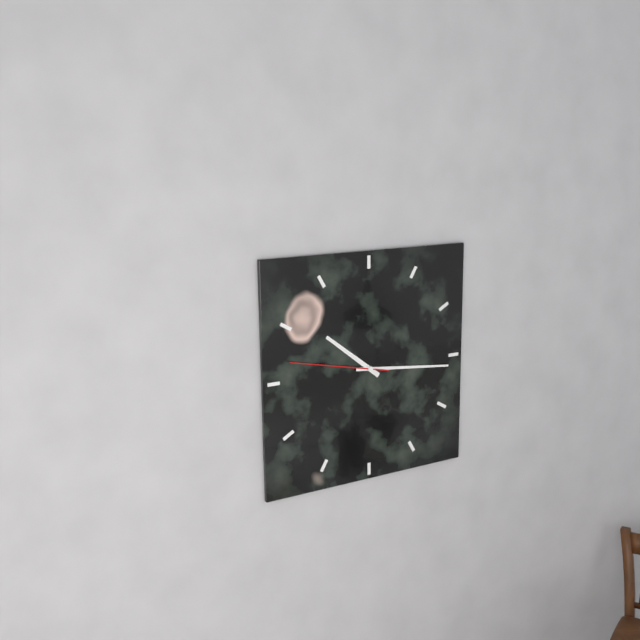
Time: **10:16:47**
